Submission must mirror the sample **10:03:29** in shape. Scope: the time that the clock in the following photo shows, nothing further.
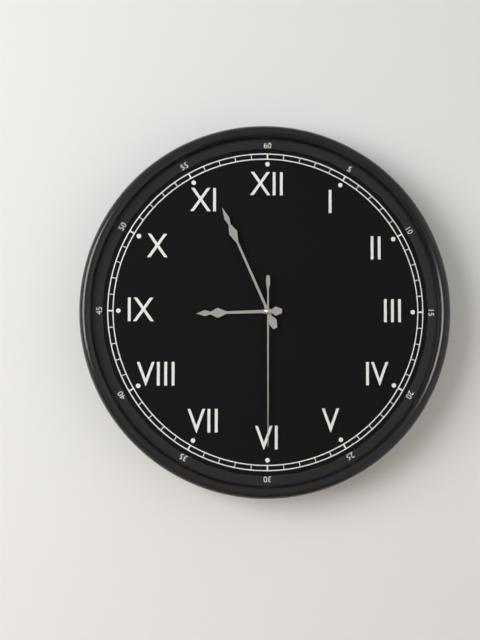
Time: **8:56:30**
